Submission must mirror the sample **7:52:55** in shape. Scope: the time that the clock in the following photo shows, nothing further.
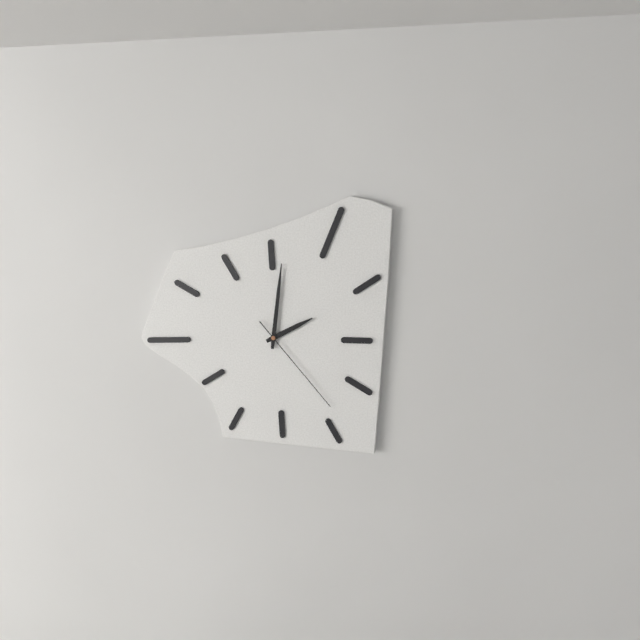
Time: **2:01:23**
